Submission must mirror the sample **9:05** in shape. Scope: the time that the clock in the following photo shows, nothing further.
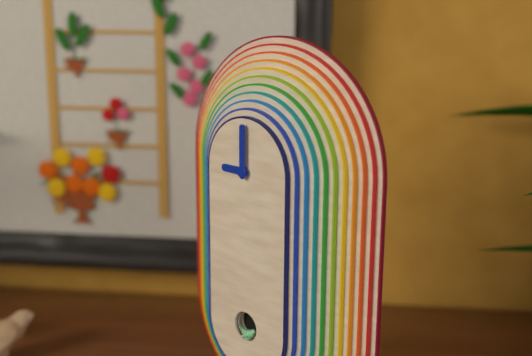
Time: **9:00**
